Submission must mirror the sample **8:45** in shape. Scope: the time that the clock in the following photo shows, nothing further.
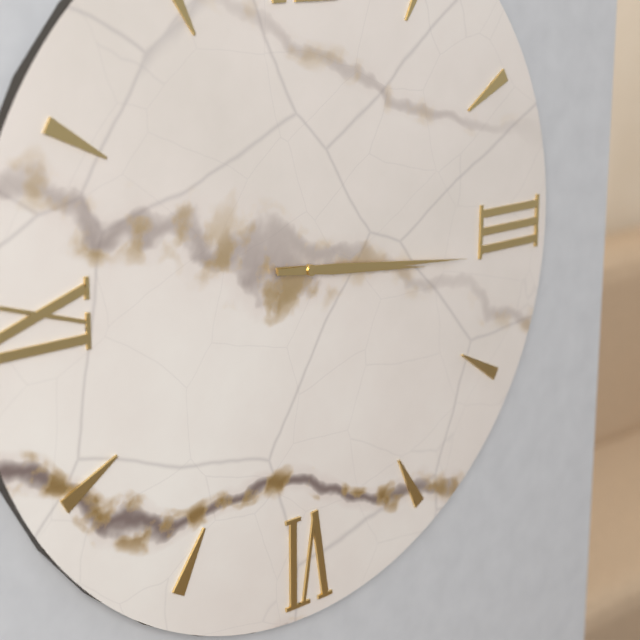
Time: **3:16**
